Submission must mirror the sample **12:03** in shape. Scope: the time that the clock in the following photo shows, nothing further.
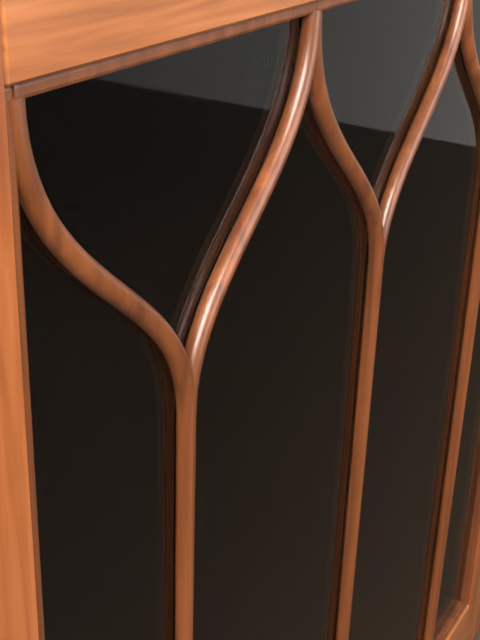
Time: **4:20**
